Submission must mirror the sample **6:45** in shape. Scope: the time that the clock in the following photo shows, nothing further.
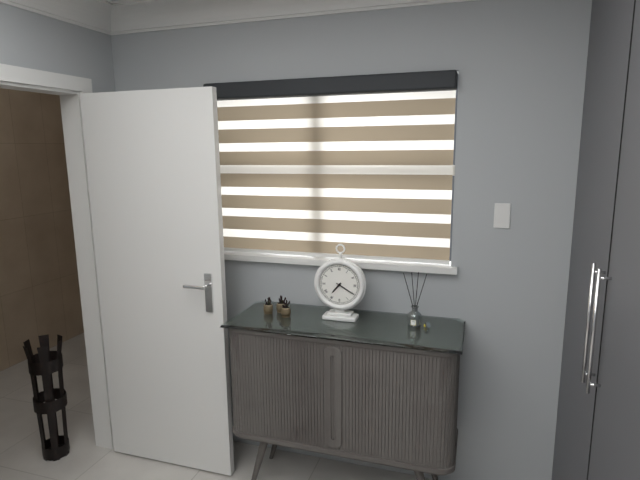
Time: **7:20**
